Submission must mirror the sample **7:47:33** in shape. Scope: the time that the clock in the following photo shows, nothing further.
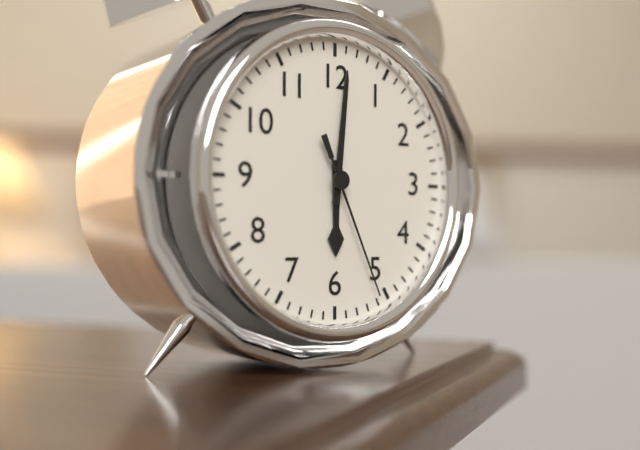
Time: **6:01:26**
